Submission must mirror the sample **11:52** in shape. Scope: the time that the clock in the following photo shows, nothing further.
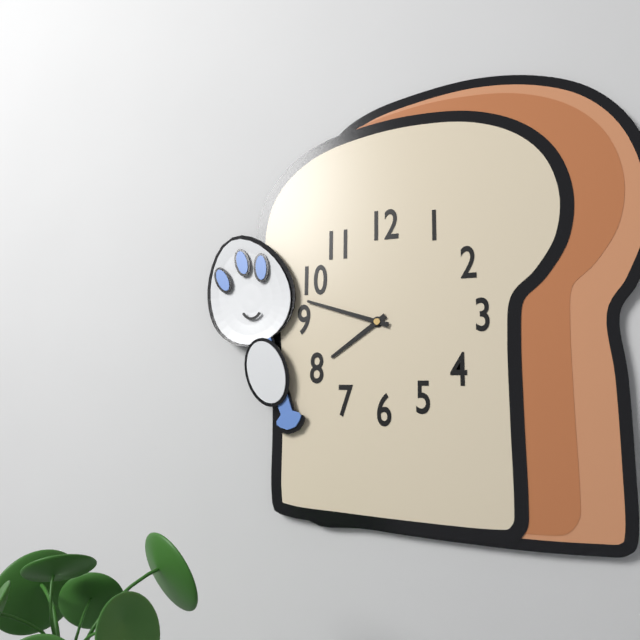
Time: **7:48**
